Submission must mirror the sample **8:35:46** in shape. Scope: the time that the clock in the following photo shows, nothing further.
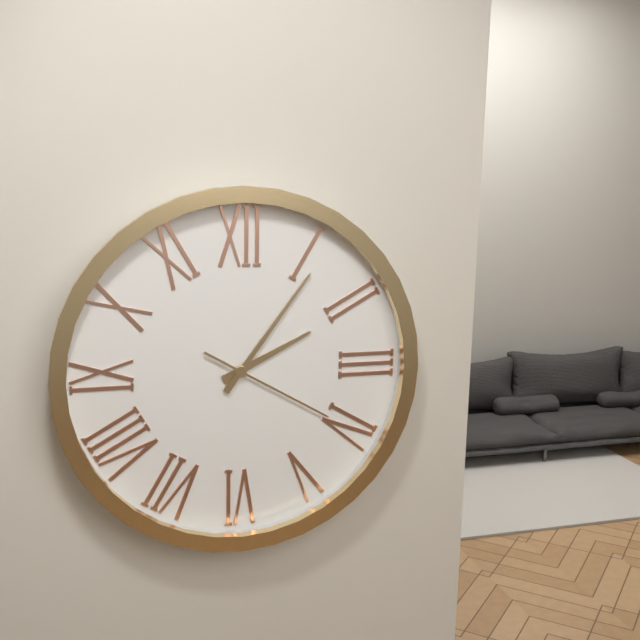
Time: **2:06:20**
